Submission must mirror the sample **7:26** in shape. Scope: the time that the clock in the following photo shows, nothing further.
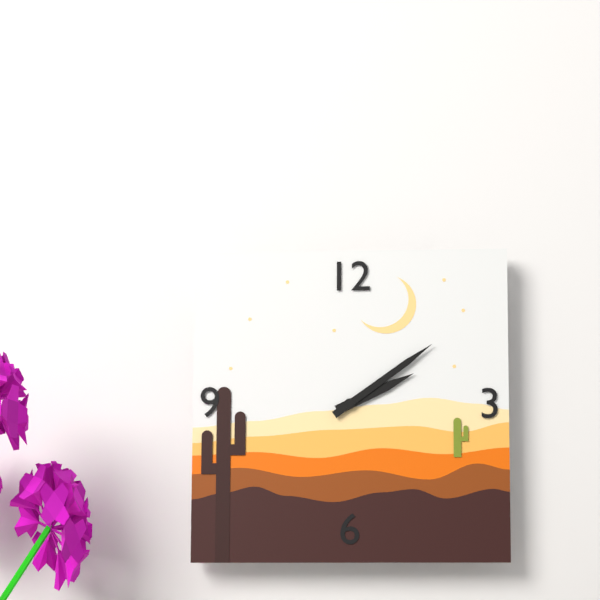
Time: **2:09**
